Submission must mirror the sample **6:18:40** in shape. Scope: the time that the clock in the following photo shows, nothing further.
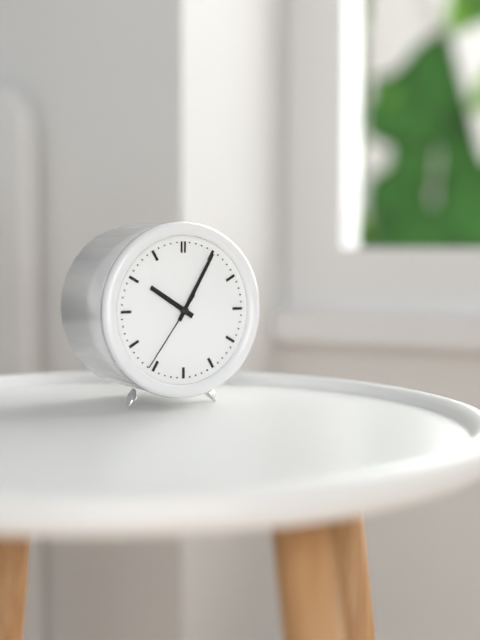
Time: **10:05:36**
